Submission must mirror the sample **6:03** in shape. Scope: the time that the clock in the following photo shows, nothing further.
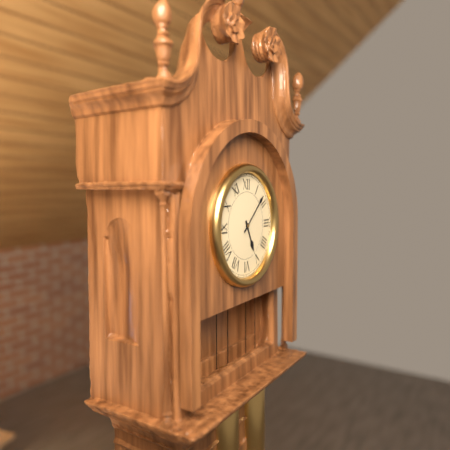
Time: **5:08**
